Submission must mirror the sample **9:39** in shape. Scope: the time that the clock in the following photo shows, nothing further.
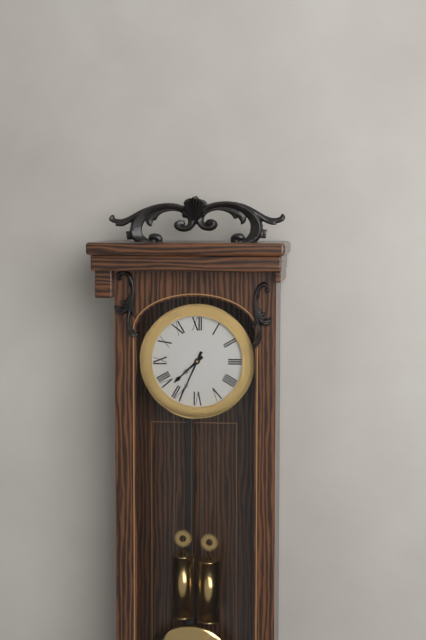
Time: **7:34**
